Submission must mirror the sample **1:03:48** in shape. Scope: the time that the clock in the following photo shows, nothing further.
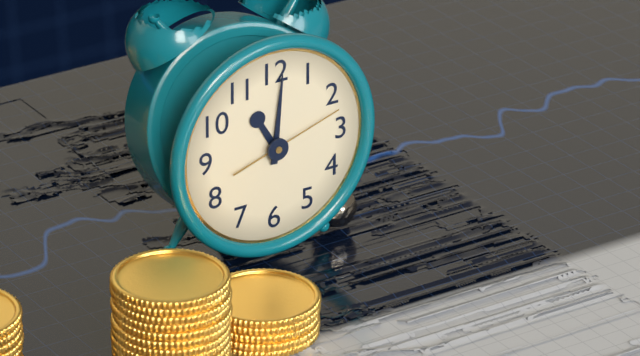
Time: **11:01:12**
